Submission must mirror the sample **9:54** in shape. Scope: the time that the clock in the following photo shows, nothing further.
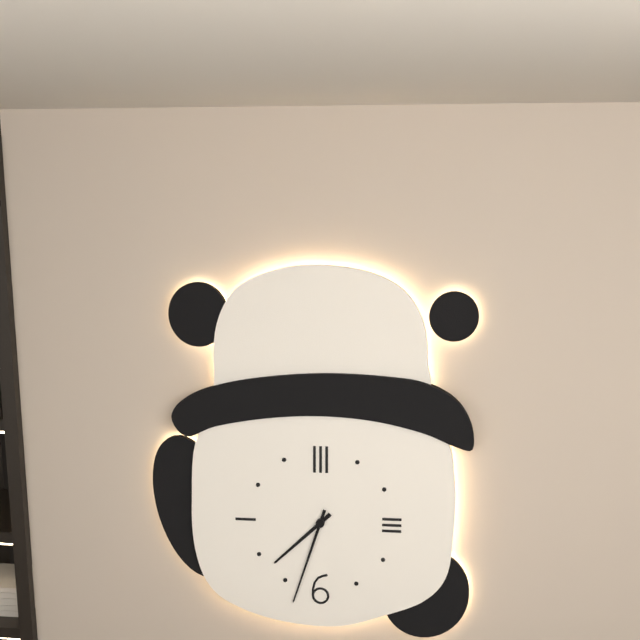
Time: **7:33**
